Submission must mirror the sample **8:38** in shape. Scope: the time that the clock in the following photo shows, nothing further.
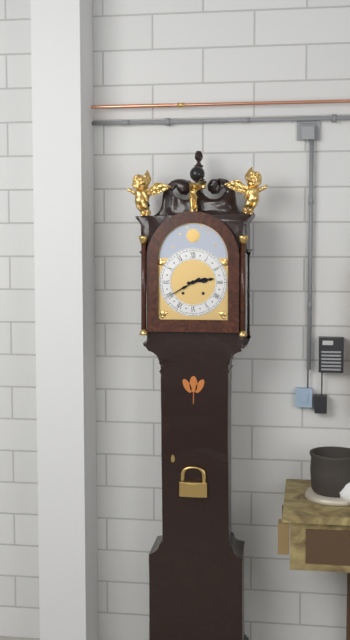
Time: **2:40**
